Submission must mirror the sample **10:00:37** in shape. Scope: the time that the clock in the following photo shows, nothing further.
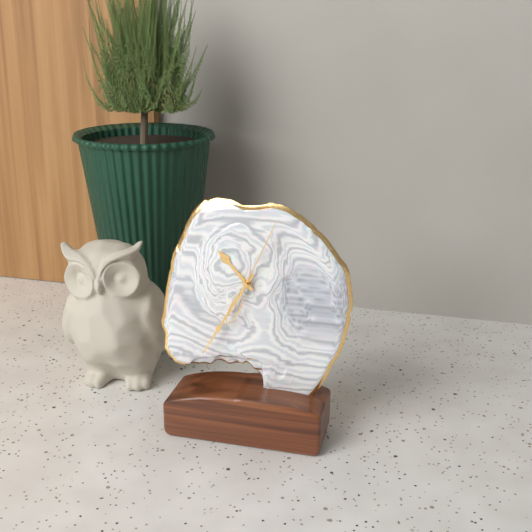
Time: **10:35:04**
